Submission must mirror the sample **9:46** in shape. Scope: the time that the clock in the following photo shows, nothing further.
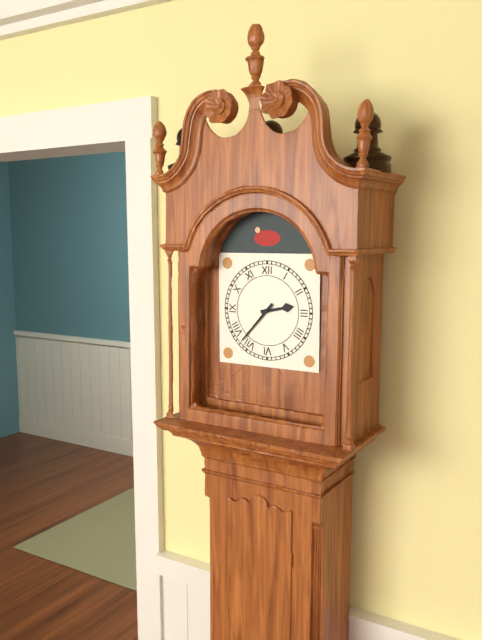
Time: **2:37**
